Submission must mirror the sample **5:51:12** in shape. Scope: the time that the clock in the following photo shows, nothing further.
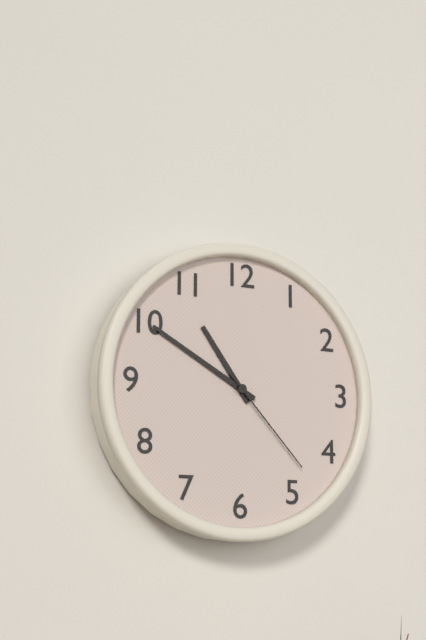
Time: **10:50:23**
